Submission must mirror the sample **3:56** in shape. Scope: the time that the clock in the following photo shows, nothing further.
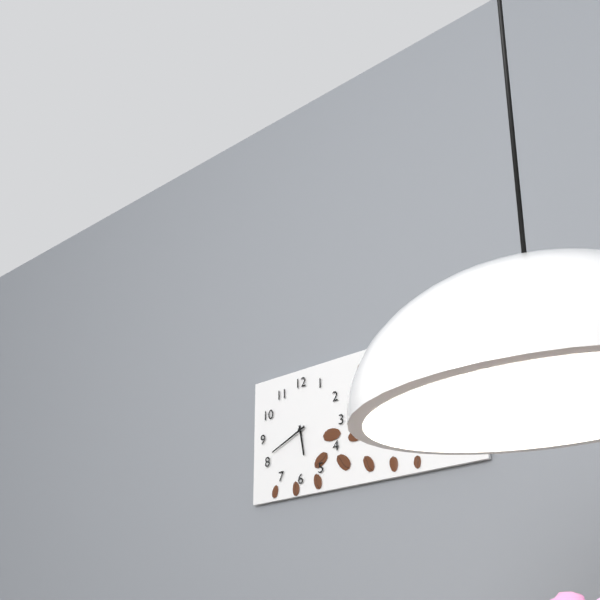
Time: **5:41**
